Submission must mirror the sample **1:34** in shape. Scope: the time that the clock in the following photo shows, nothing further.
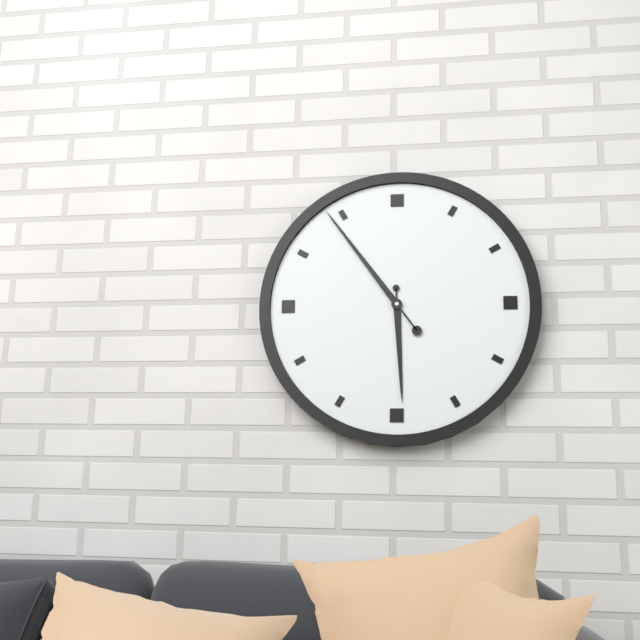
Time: **5:54**
